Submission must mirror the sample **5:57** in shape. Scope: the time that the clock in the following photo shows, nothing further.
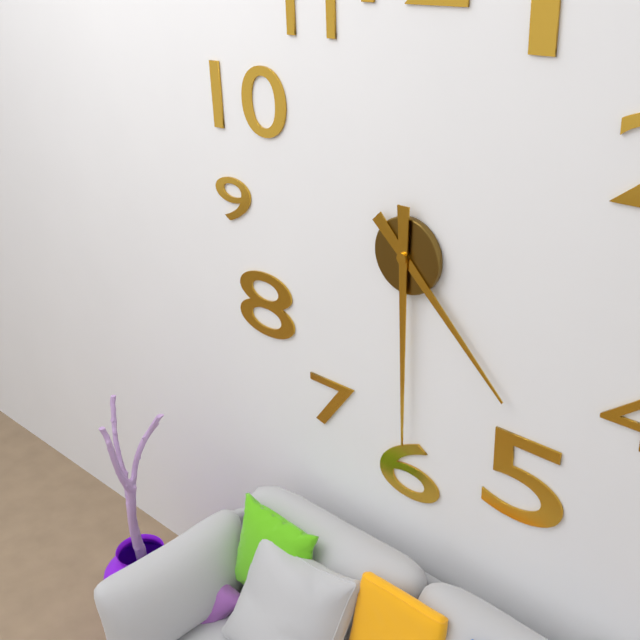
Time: **4:30**
